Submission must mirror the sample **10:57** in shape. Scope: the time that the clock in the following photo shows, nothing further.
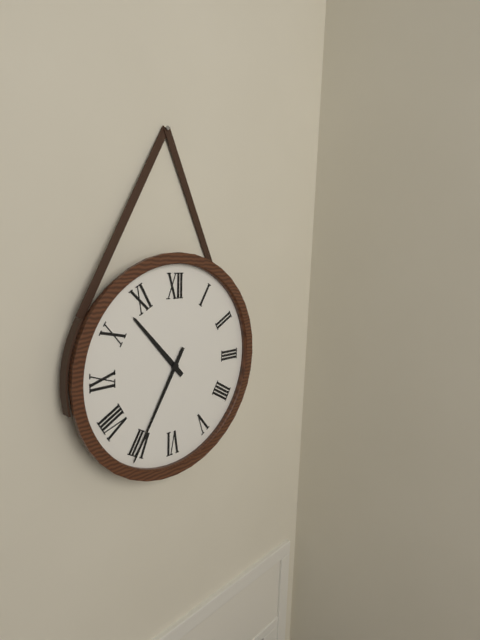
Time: **10:35**
